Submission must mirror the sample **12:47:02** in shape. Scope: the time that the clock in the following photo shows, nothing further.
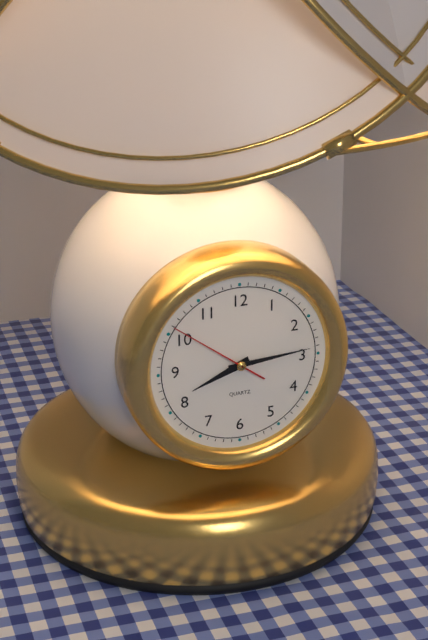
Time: **8:14:51**
